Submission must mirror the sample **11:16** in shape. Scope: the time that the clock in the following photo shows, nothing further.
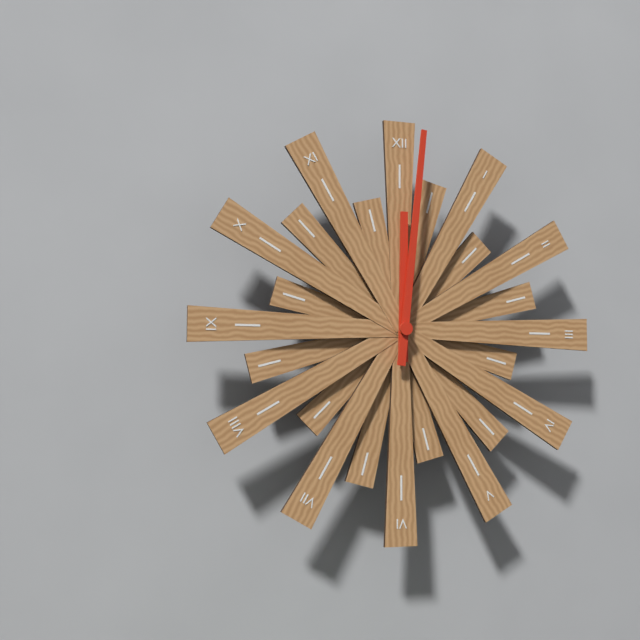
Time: **12:01**
